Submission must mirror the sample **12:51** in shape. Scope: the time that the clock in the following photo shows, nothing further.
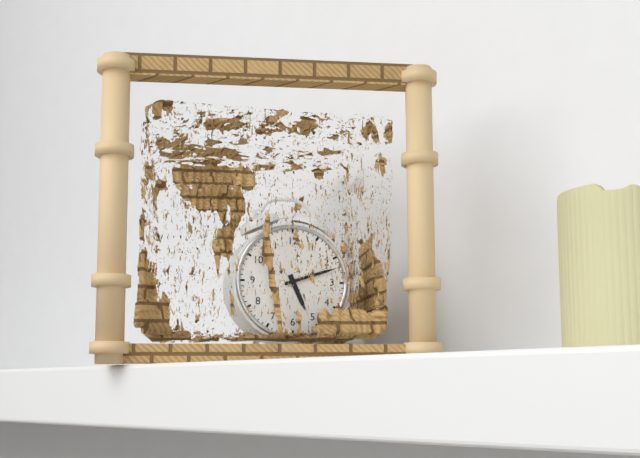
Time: **5:12**
